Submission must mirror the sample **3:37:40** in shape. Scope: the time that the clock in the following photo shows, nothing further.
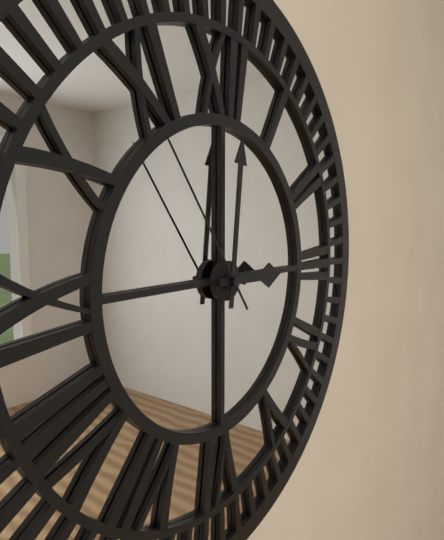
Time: **3:01:54**
